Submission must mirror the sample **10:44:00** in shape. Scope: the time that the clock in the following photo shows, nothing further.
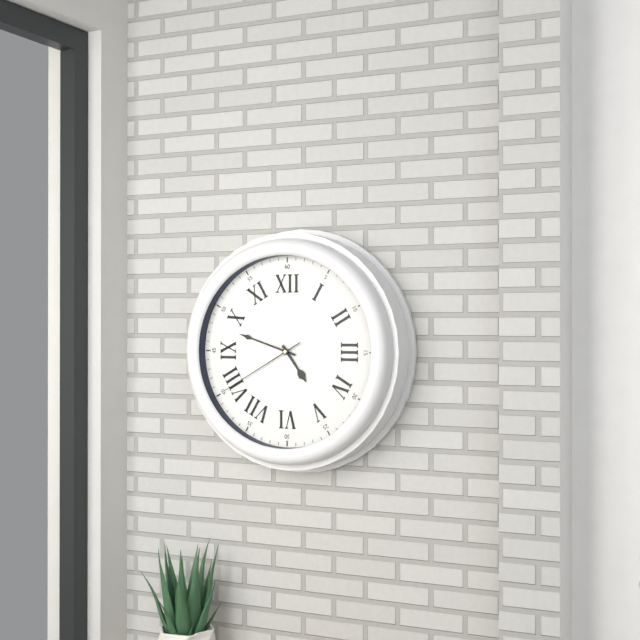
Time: **4:48:40**
